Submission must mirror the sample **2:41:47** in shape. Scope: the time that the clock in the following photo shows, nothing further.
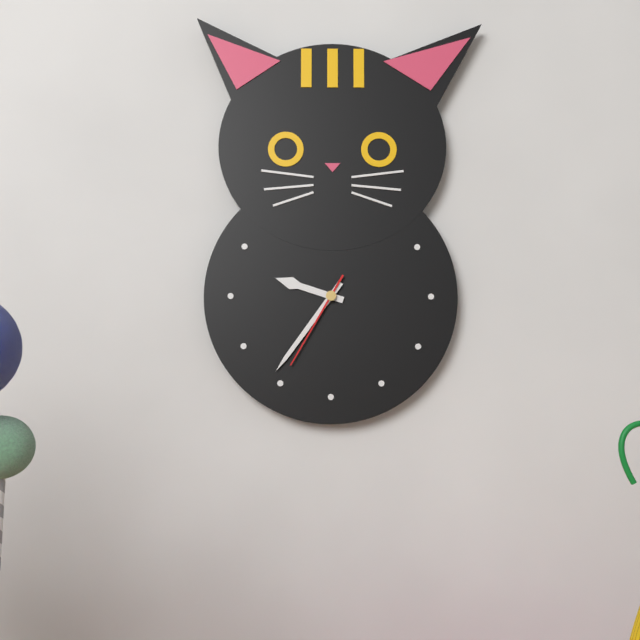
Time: **9:36:35**
